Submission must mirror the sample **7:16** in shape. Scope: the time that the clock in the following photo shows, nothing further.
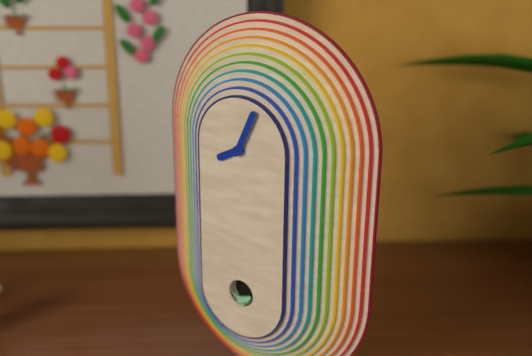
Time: **8:04**
